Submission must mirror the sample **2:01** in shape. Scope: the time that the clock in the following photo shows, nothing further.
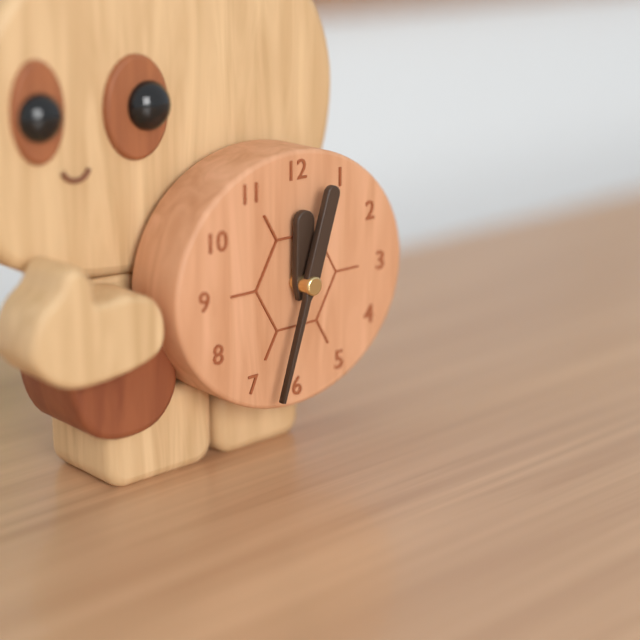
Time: **12:03**
